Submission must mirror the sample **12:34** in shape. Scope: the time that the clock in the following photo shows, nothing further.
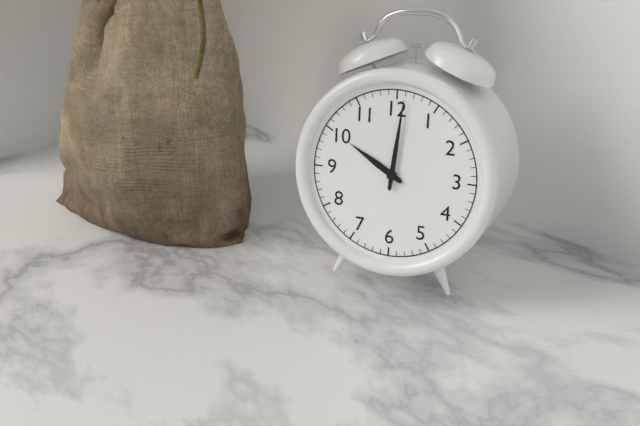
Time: **10:01**
